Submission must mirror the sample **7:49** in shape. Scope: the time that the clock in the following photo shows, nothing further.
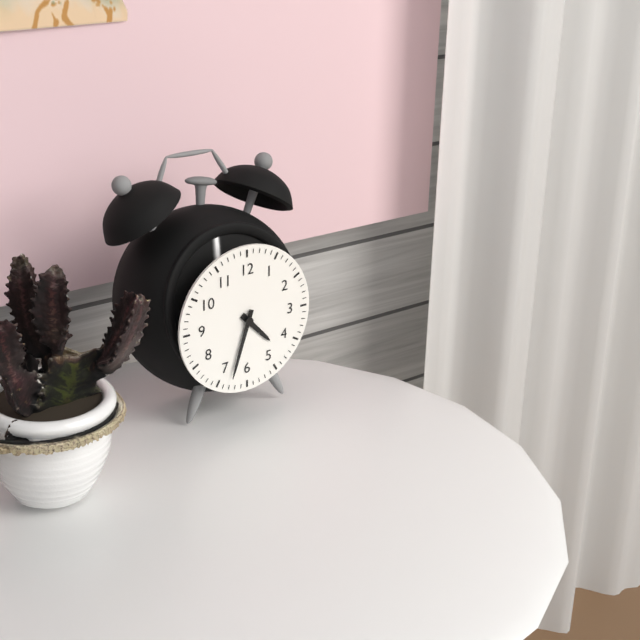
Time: **4:33**
